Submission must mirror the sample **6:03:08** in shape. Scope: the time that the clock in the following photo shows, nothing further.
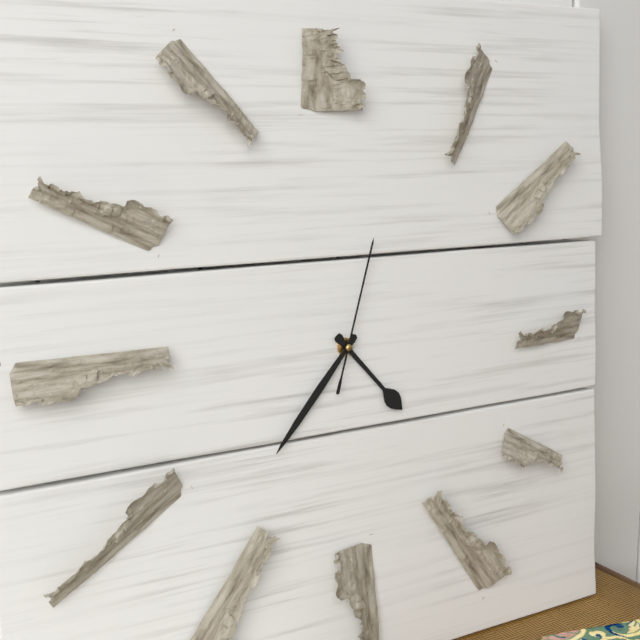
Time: **4:37:03**
